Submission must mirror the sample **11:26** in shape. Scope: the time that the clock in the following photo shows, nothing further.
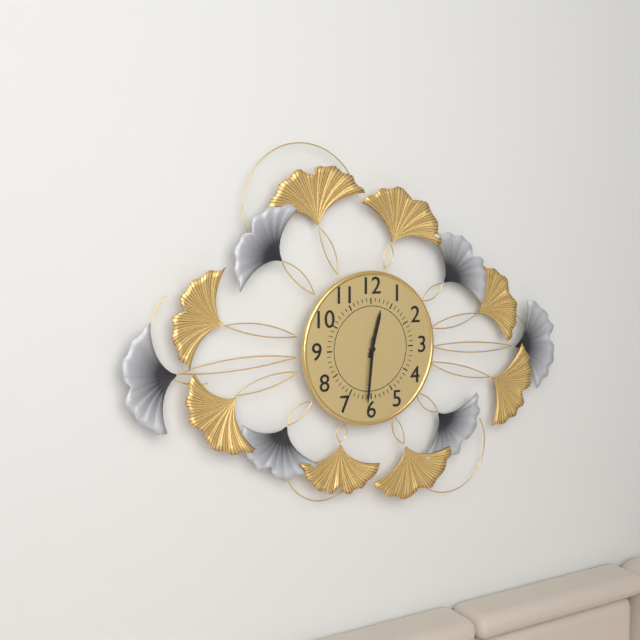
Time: **12:31**
